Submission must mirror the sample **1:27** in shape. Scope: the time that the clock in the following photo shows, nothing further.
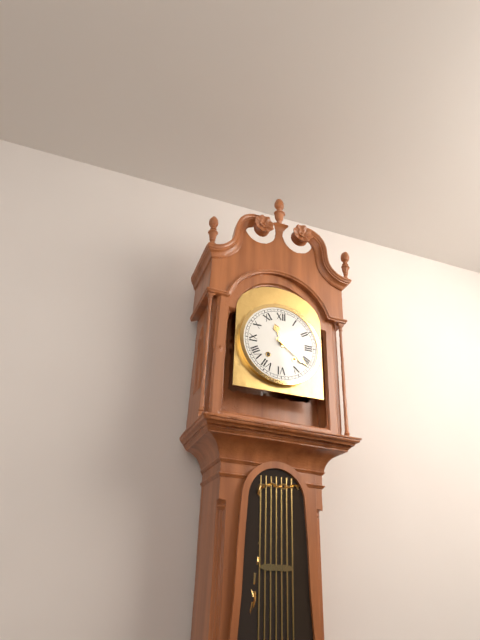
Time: **11:21**
